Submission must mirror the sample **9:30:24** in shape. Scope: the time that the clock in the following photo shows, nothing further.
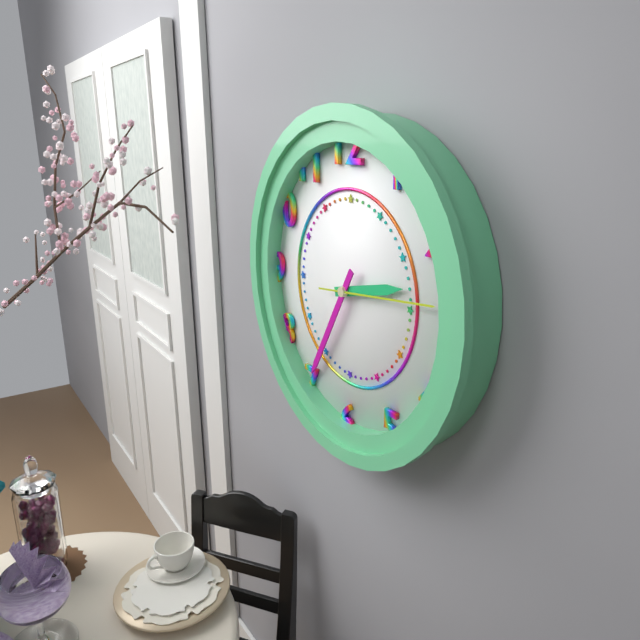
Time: **2:35:14**
